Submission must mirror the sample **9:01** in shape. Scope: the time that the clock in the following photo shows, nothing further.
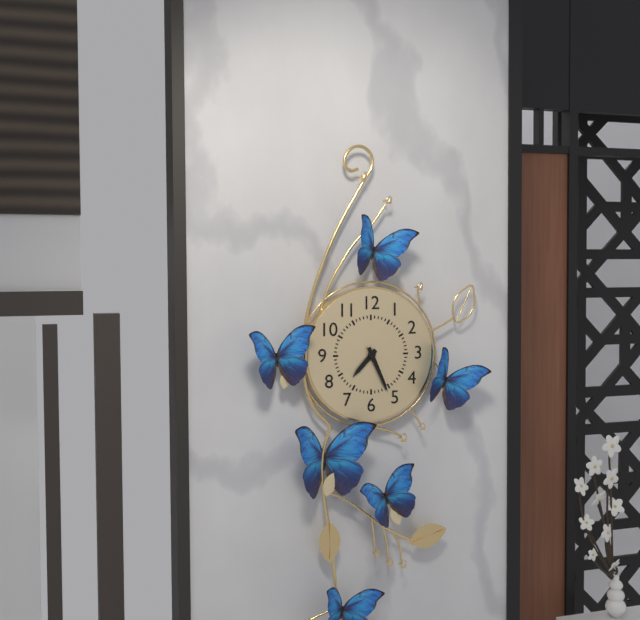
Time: **7:26**
